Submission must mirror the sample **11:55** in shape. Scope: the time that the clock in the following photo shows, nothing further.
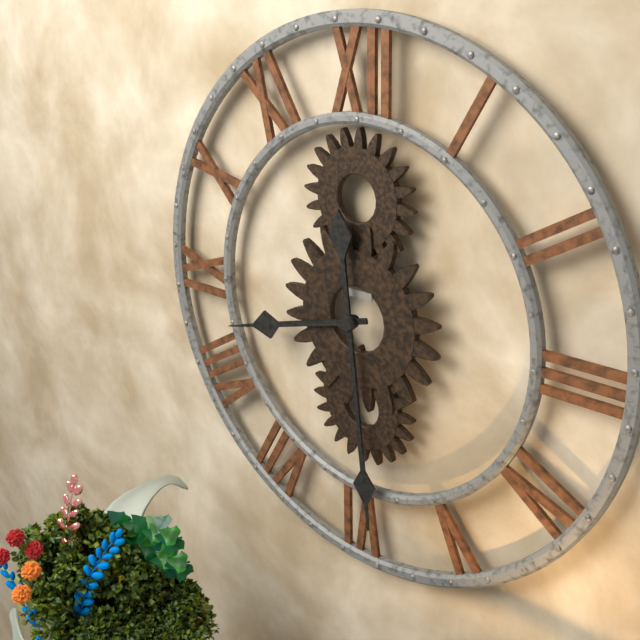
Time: **8:29**
